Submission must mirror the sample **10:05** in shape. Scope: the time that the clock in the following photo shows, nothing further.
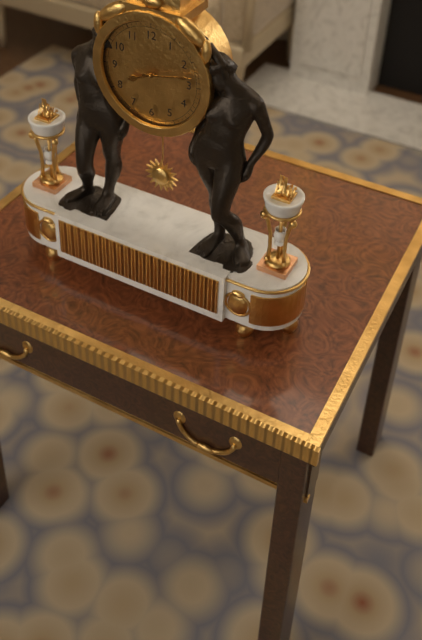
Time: **8:13**
